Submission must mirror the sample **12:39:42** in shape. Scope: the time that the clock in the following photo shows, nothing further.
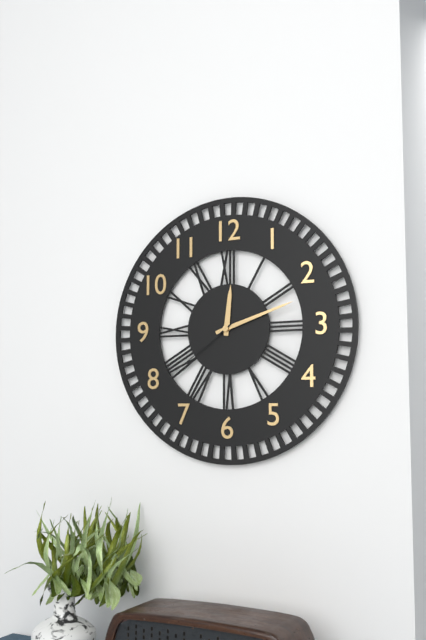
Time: **12:12:39**
